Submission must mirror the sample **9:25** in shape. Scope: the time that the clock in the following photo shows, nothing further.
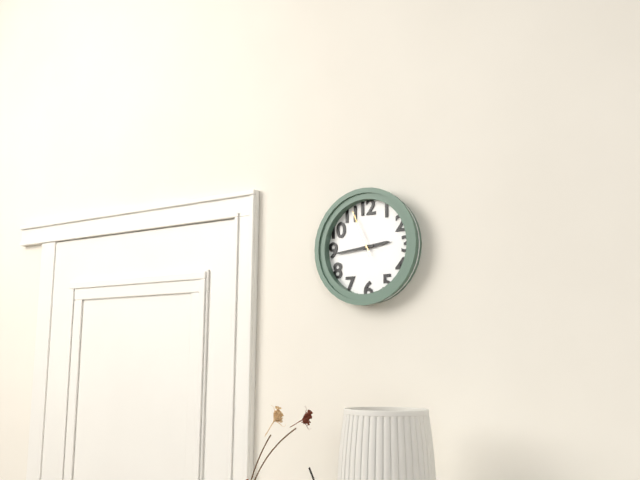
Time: **2:44**
